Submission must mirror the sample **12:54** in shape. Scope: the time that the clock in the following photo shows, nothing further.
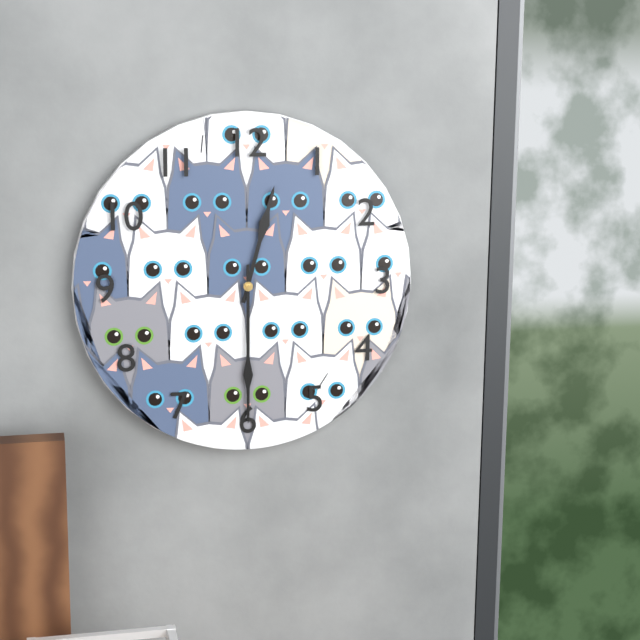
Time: **12:30**
